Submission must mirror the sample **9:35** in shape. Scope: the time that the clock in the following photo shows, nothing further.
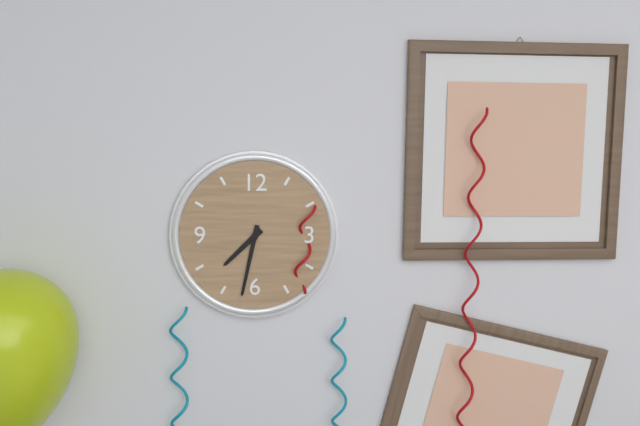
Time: **7:32**
